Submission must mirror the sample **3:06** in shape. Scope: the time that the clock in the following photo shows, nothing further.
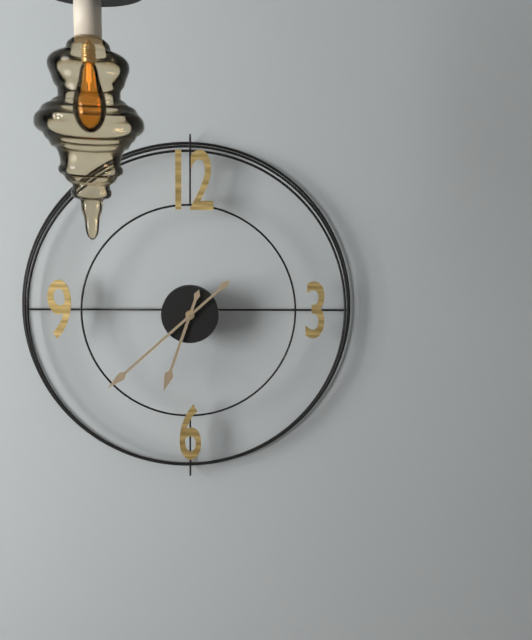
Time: **6:38**
